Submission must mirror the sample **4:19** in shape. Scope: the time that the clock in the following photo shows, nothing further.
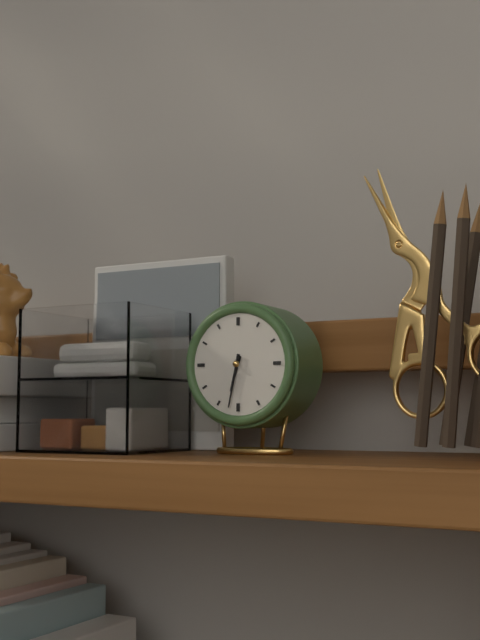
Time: **6:32**
